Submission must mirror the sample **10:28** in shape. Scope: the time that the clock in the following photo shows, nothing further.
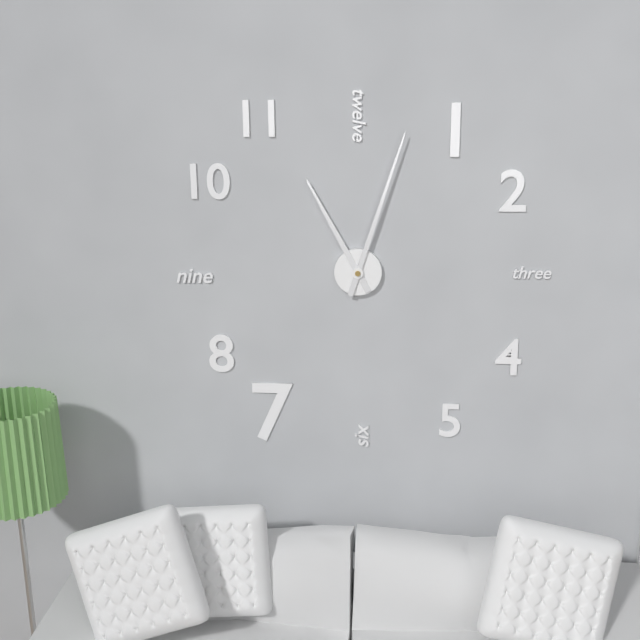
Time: **11:03**
